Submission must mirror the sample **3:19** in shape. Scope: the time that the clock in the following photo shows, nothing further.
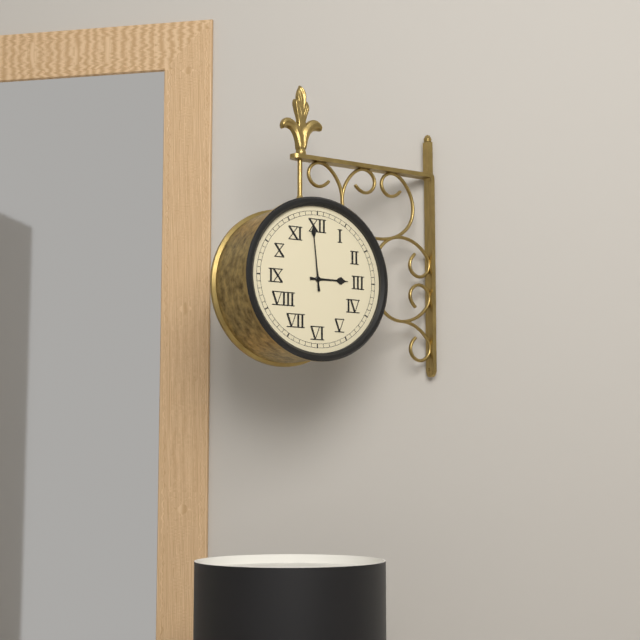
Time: **2:59**
